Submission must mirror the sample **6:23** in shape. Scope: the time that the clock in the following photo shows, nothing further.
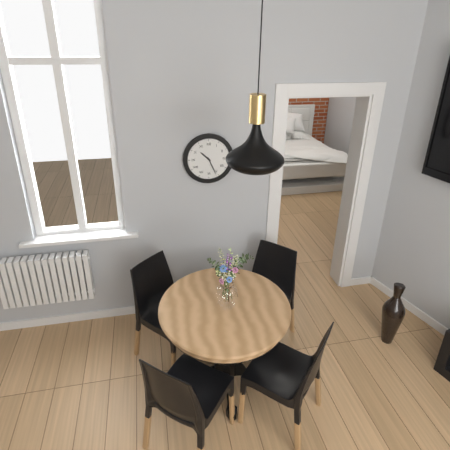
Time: **10:26**
